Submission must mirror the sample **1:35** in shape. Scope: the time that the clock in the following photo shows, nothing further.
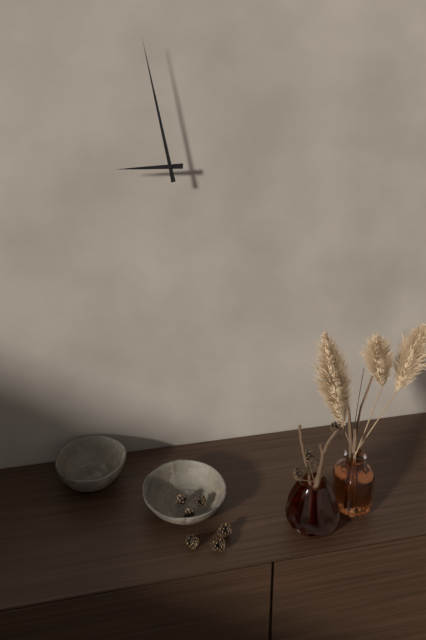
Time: **8:58**
